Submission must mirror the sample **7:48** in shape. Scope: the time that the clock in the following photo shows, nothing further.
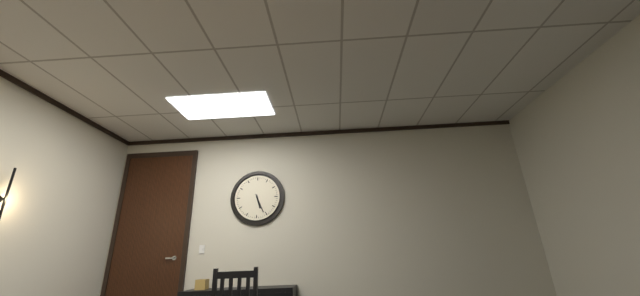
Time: **5:26**
